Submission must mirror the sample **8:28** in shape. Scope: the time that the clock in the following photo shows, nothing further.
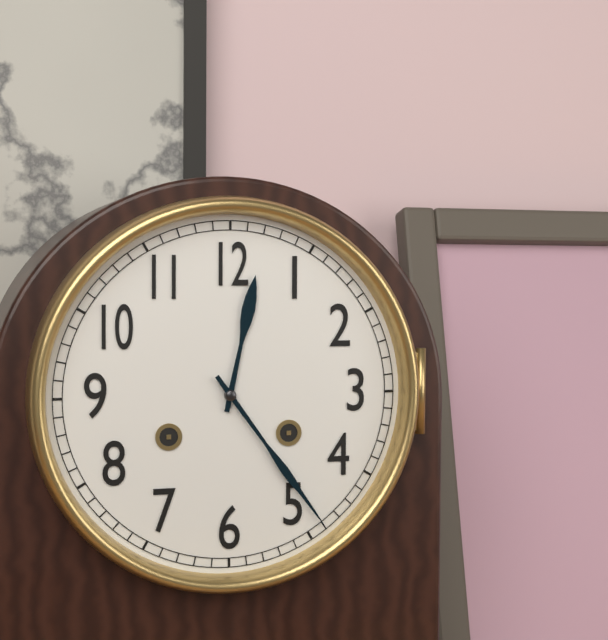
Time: **12:24**
